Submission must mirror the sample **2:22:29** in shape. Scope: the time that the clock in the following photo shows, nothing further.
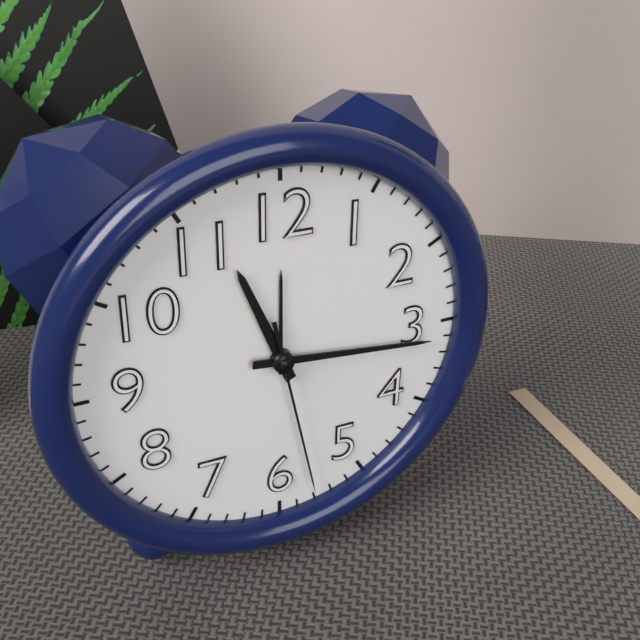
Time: **11:16:28**
